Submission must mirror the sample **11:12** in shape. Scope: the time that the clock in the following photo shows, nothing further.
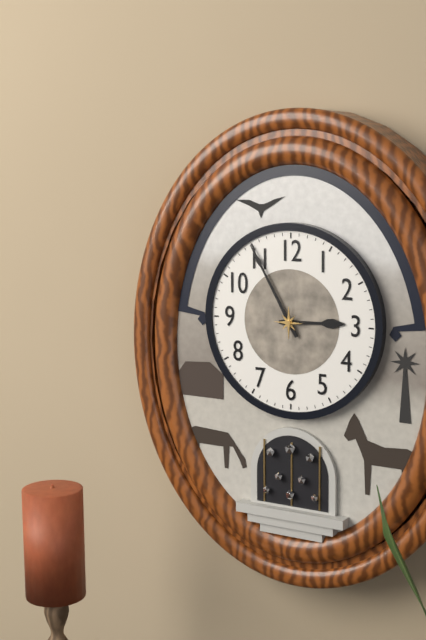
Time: **2:55**
